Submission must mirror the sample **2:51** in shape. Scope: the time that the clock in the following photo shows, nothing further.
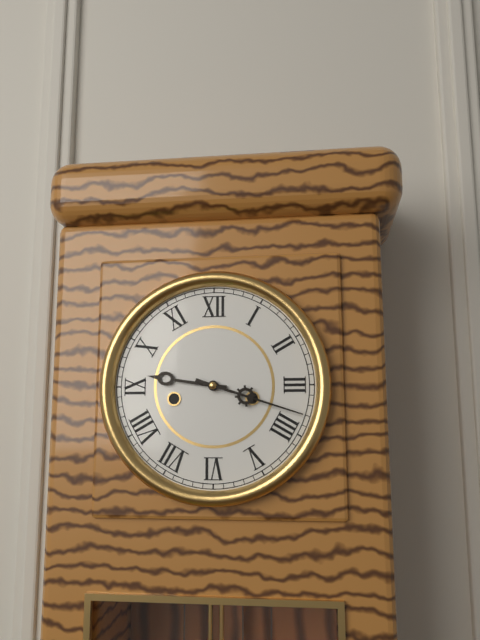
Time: **9:18**
